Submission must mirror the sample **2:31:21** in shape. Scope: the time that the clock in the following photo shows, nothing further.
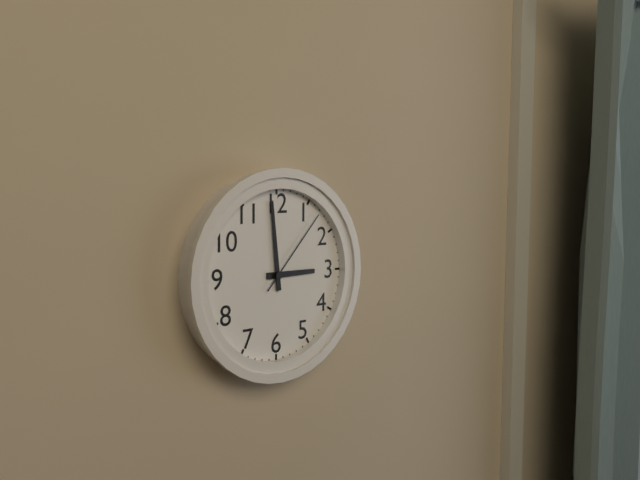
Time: **2:59:07**
